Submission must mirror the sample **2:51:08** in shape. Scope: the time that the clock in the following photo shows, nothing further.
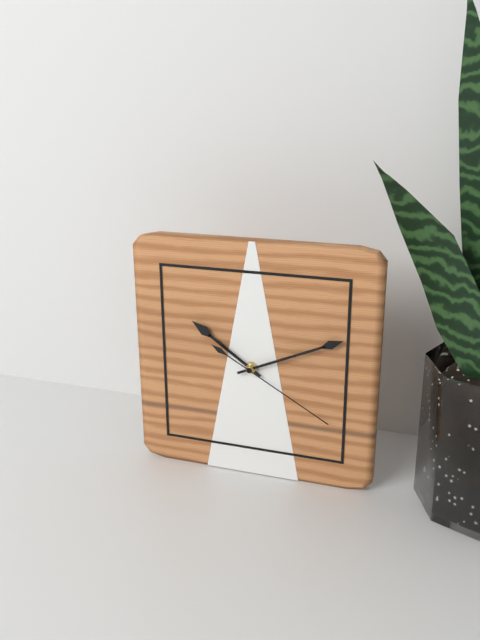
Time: **10:11:20**
